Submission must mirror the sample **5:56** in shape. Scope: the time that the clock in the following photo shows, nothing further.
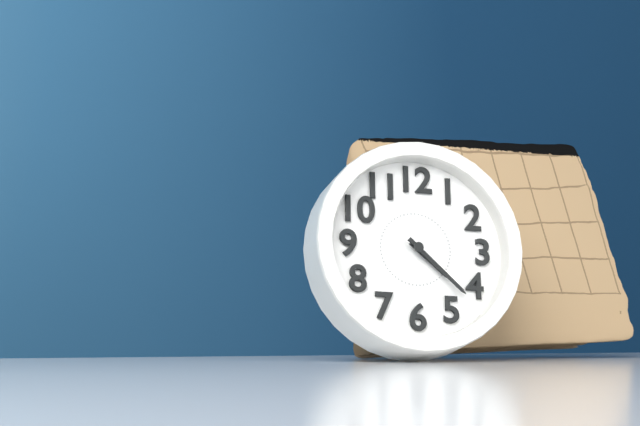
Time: **4:22**
